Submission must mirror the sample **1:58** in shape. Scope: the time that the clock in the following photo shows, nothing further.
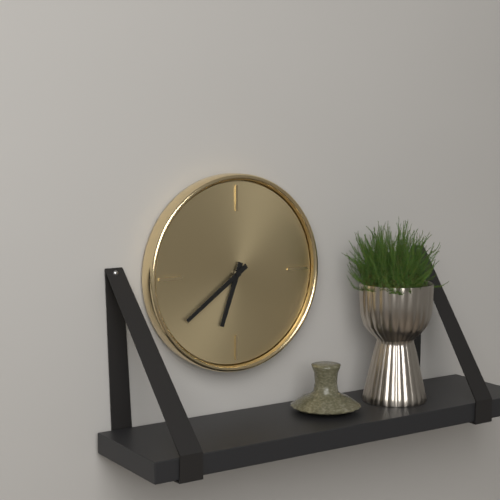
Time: **6:39**
